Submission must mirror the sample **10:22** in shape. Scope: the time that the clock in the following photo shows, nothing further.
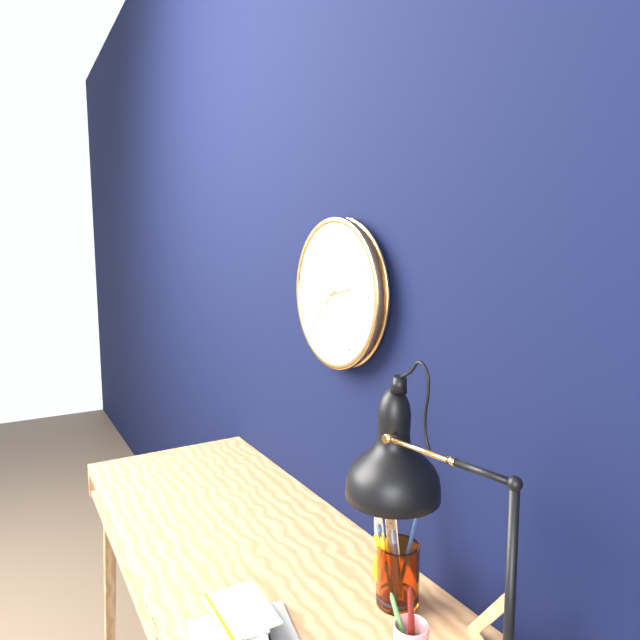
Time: **2:38**
